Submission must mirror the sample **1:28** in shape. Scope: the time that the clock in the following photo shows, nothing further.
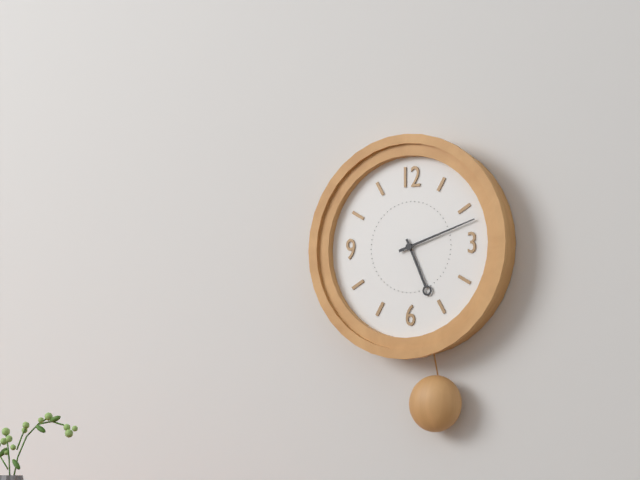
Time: **5:12**
